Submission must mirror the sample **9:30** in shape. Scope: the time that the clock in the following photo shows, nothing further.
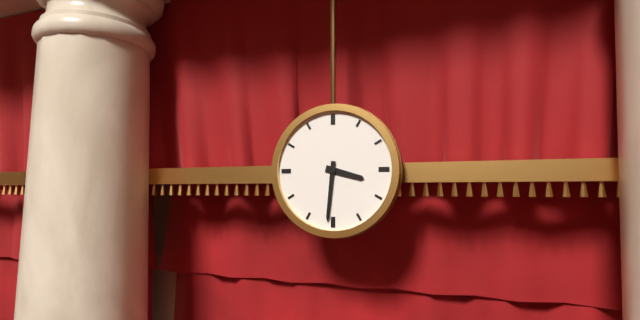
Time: **3:31**
